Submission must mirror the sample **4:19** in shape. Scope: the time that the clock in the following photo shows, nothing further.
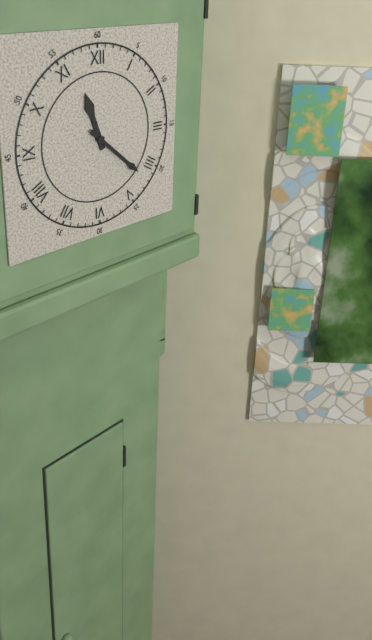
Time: **11:22**
